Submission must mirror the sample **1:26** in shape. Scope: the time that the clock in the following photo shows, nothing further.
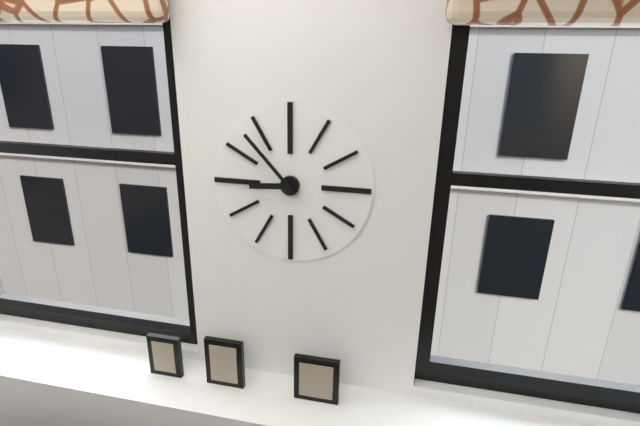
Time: **8:53**
